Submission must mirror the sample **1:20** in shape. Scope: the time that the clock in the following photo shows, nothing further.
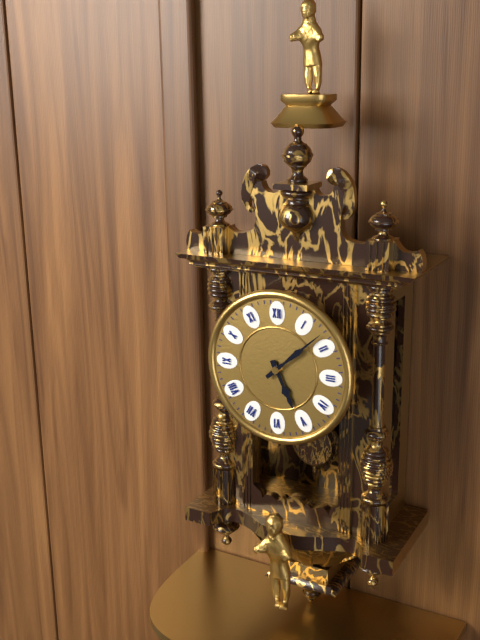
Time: **5:08**
